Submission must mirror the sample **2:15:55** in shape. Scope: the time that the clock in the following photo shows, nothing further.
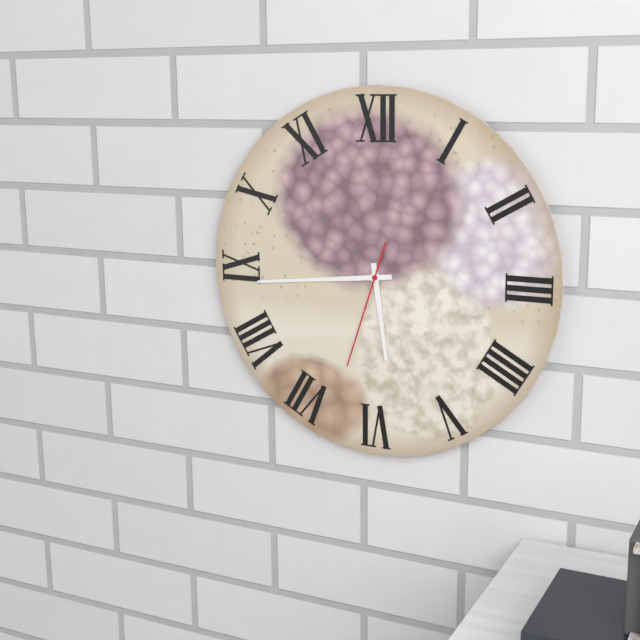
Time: **5:44:33**
